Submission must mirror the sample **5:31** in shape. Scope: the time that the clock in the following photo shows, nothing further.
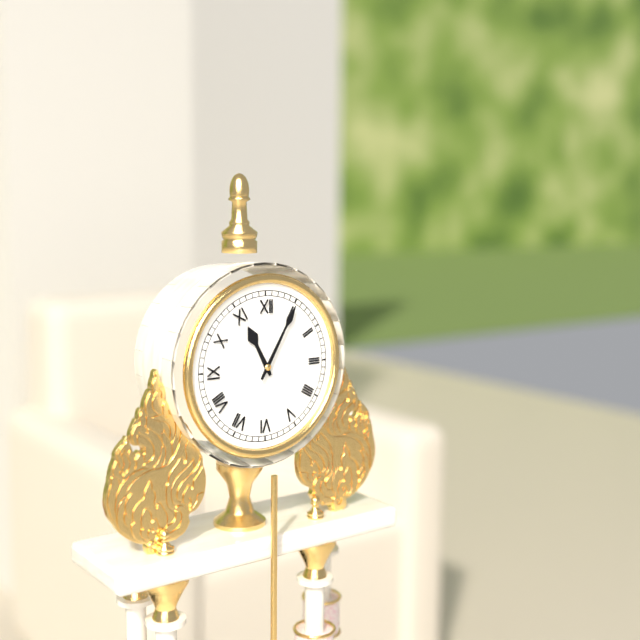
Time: **11:05**
